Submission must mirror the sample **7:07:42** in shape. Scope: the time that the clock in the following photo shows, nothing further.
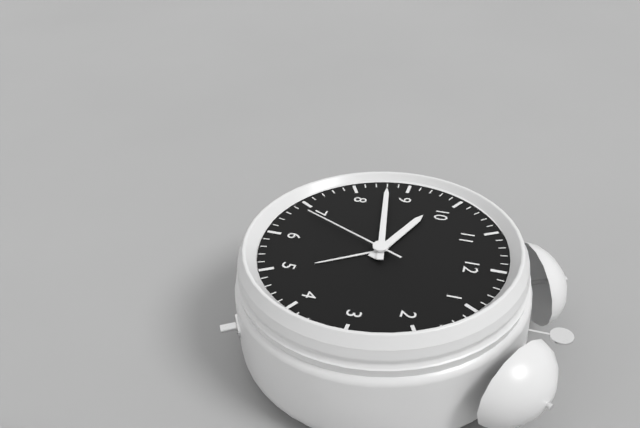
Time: **9:43:34**
